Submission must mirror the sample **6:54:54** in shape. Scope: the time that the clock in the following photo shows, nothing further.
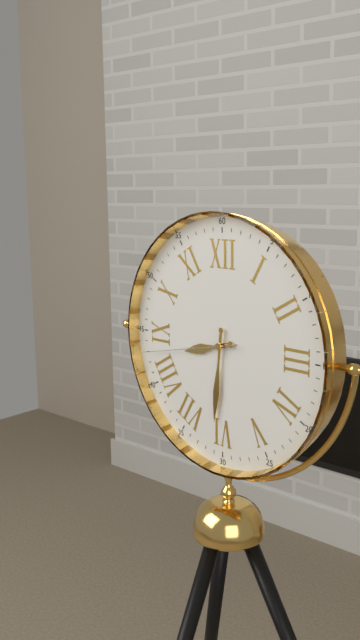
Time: **8:31:43**
